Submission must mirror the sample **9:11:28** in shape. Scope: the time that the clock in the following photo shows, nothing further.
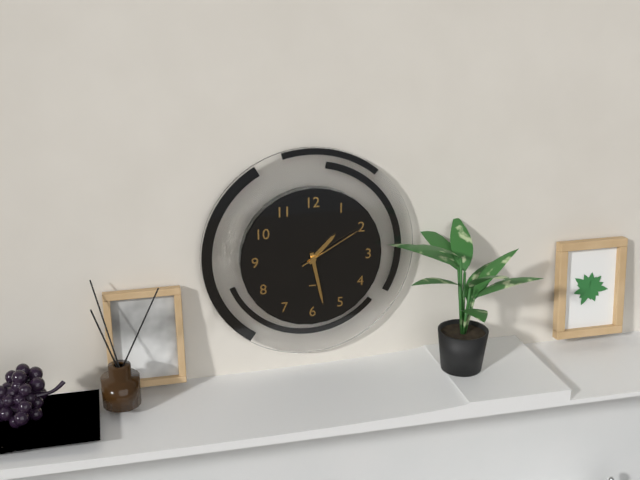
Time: **1:28:10**
